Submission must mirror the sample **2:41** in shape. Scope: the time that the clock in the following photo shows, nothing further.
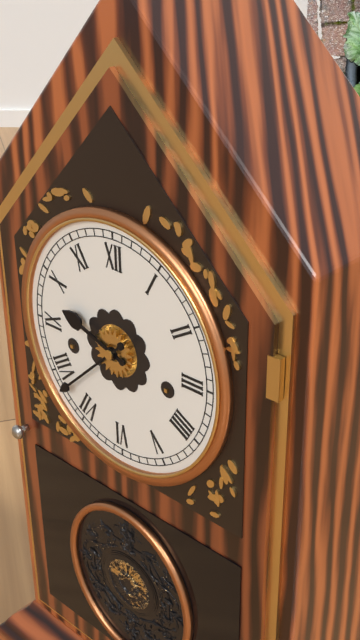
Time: **9:38**
